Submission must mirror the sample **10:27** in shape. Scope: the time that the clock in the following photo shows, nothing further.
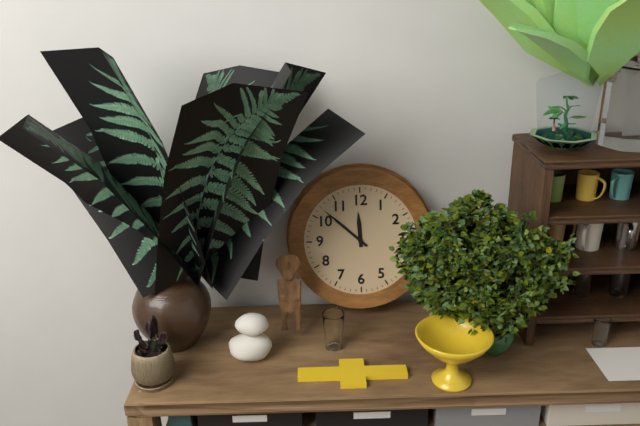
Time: **11:52**
